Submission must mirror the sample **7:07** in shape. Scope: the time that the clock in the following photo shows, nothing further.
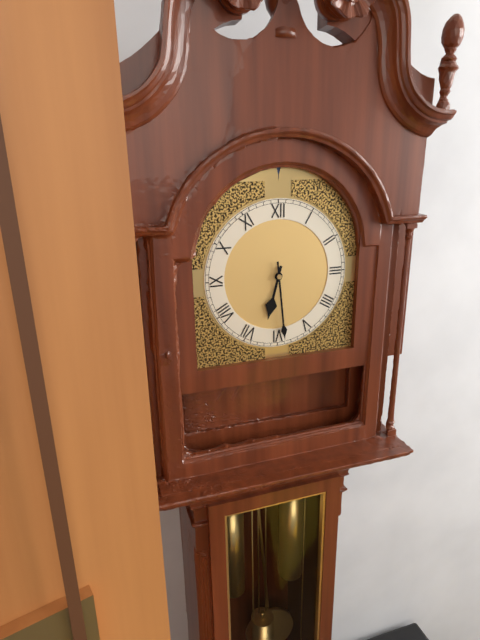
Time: **6:29**
